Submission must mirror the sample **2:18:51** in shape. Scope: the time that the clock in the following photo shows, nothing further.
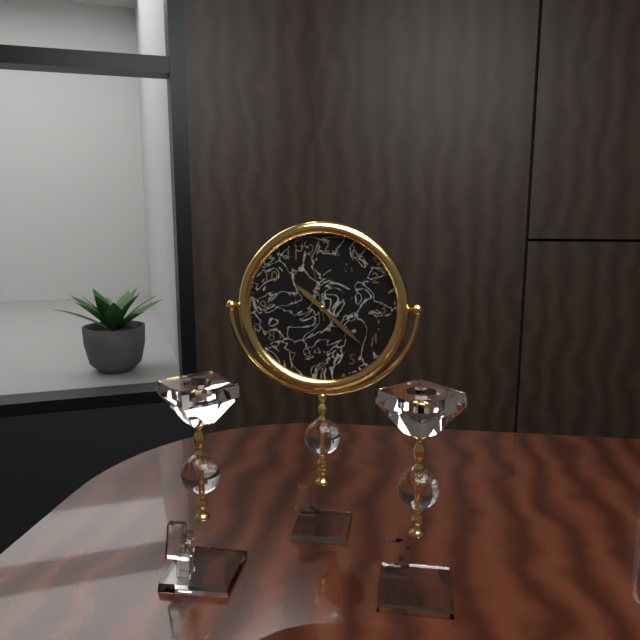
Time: **10:22:58**
